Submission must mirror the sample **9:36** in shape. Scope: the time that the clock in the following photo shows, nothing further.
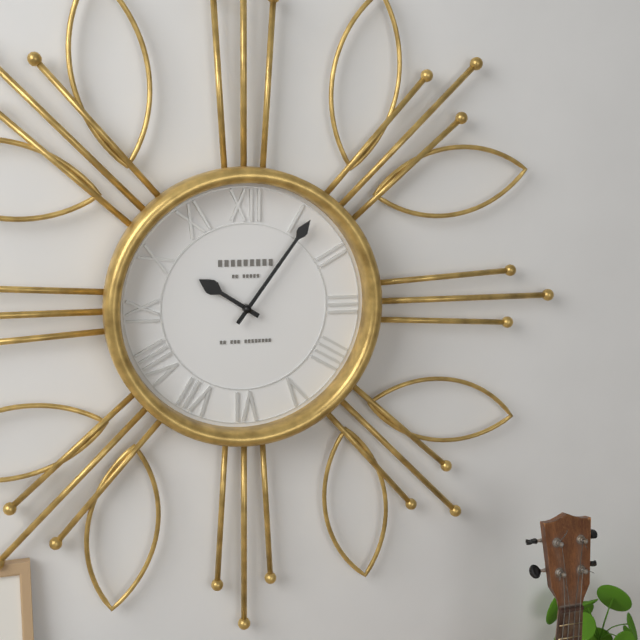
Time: **10:06**
